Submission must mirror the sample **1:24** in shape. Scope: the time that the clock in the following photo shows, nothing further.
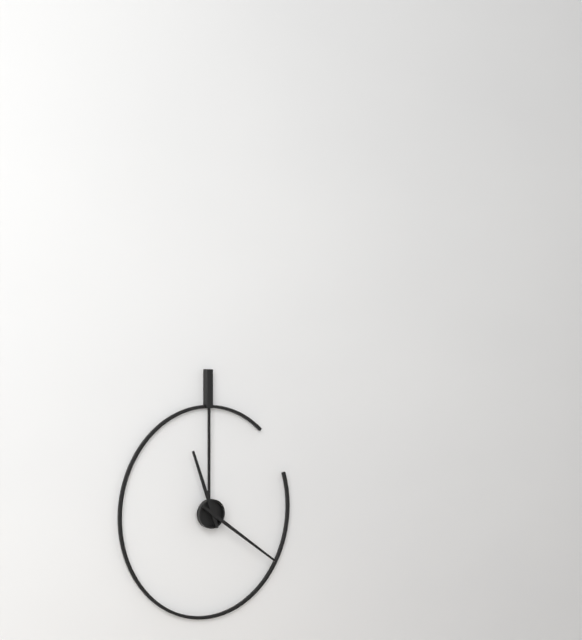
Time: **11:21**
